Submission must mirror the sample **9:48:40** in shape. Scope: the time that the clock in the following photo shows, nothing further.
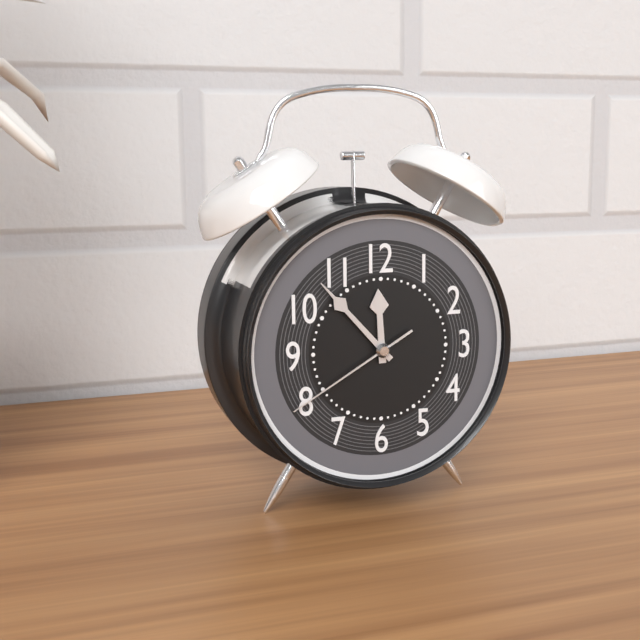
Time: **11:53:40**
